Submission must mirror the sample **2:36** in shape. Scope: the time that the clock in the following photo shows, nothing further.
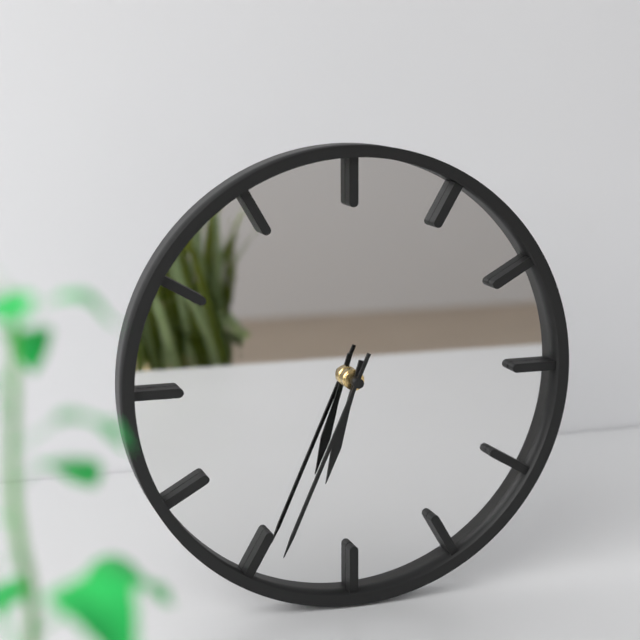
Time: **6:34**
